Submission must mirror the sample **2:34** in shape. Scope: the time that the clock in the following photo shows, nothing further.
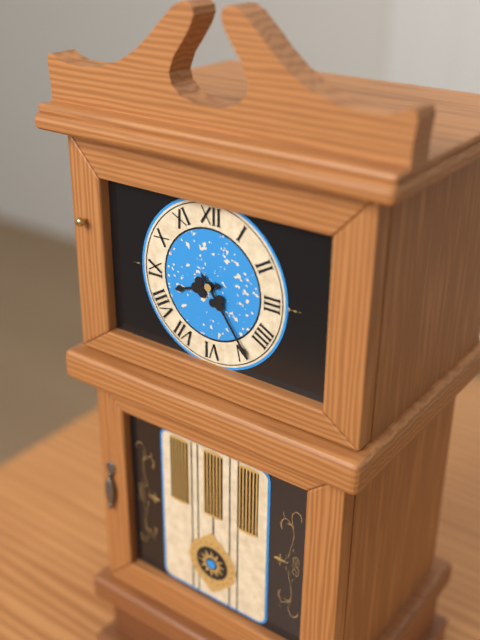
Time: **8:24**
